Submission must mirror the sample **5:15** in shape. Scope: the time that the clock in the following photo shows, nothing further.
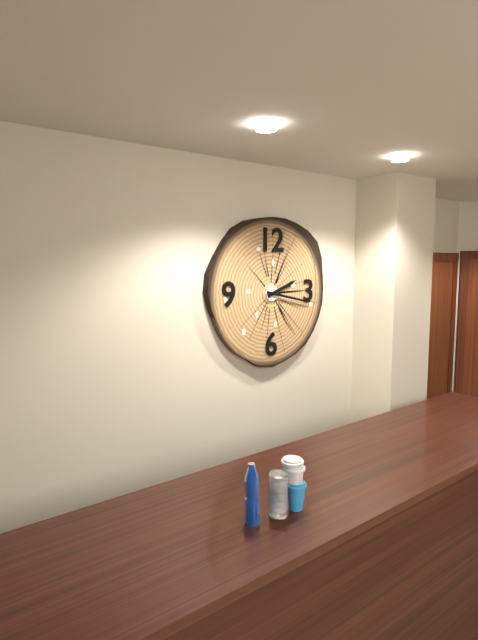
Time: **2:17**
